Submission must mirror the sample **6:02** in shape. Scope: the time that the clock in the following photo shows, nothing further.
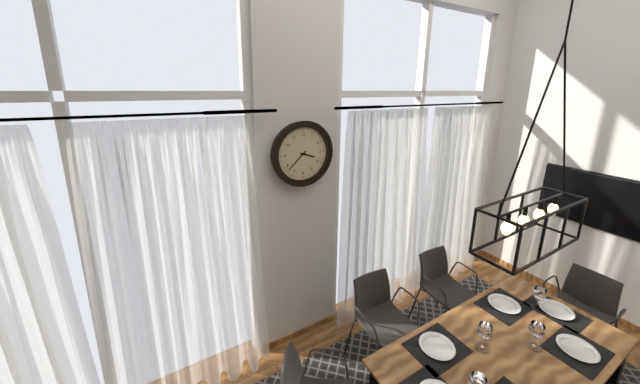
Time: **3:38**
